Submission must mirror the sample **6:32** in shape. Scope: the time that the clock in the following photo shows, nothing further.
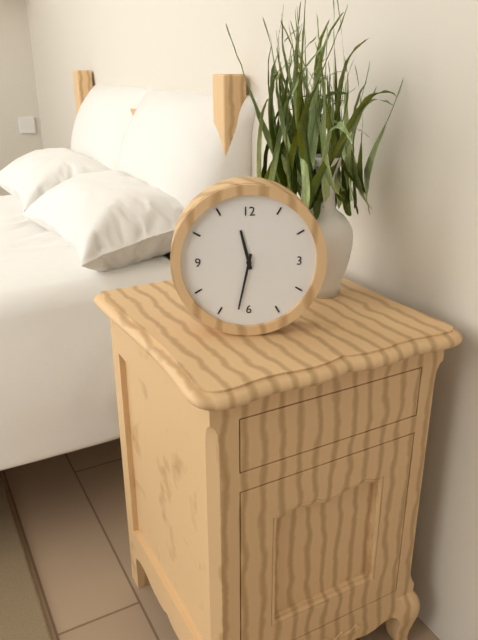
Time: **11:32**
